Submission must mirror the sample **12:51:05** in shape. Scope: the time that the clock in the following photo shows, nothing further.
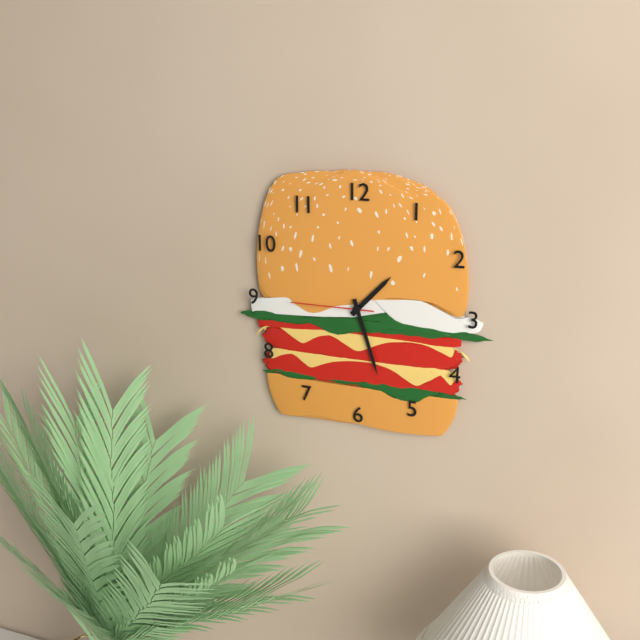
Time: **1:27:45**
